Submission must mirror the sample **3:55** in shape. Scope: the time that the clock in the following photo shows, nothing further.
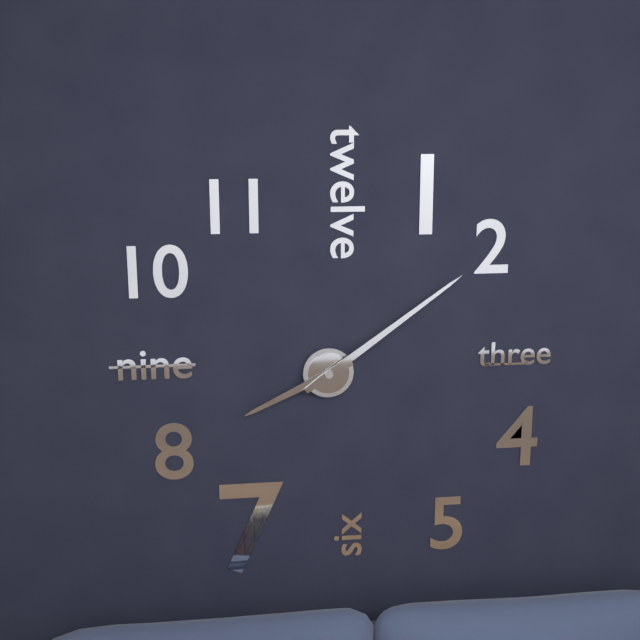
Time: **8:09**
